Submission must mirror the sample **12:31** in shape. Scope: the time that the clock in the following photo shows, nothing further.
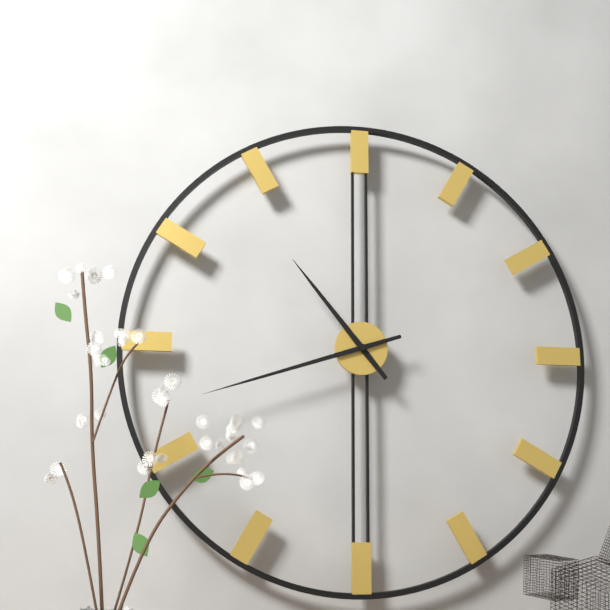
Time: **10:42**
